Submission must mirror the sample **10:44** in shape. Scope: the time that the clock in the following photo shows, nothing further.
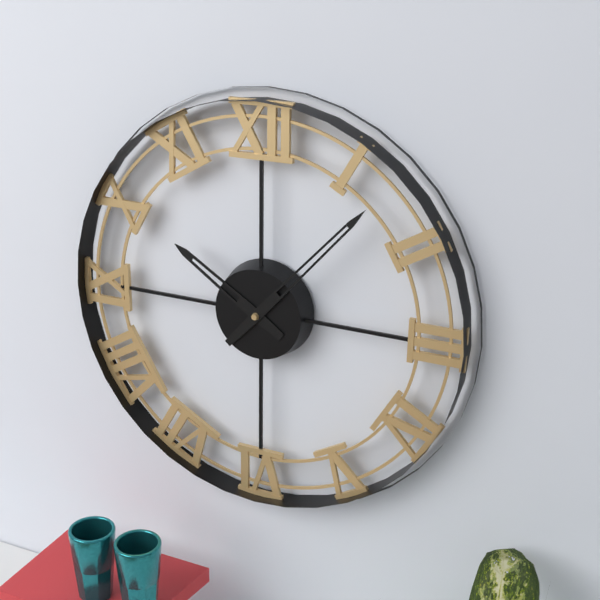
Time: **10:07**
